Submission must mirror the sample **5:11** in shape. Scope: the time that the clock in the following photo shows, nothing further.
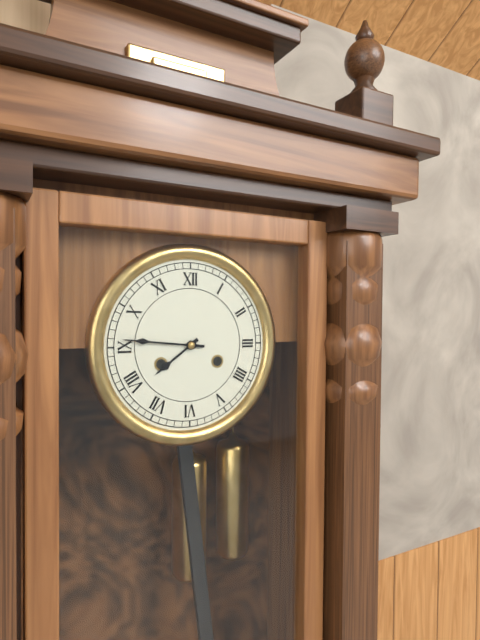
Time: **7:46**
